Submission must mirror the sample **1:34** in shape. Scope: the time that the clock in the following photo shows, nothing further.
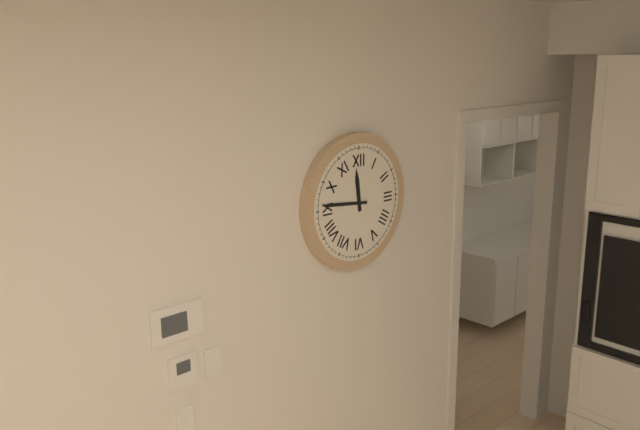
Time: **11:46**
